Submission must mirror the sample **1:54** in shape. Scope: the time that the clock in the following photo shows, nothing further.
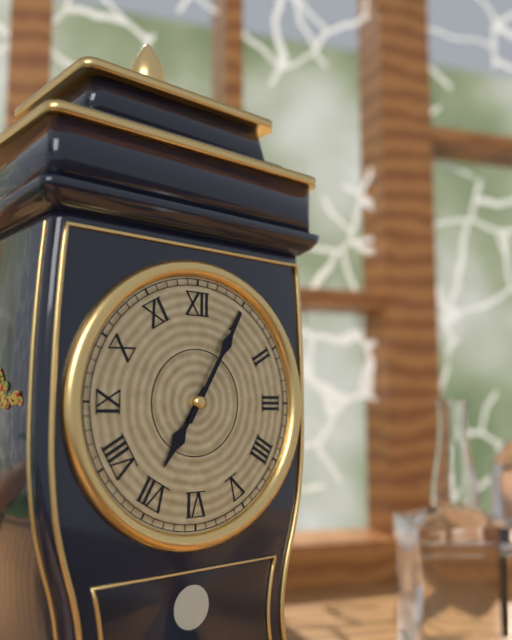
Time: **7:05**
